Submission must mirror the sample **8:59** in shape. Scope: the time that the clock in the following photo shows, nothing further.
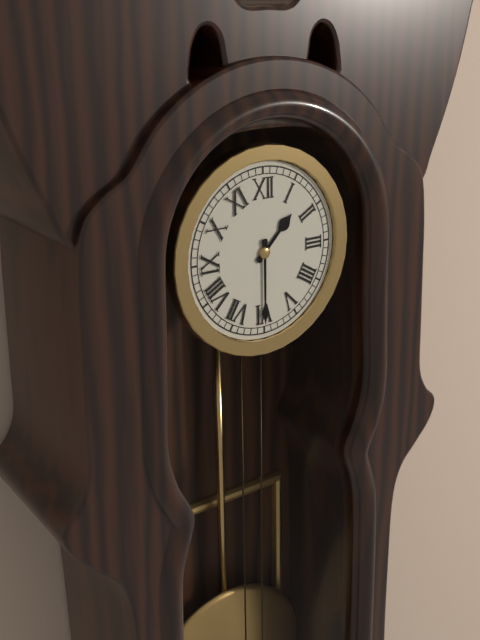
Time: **1:30**
